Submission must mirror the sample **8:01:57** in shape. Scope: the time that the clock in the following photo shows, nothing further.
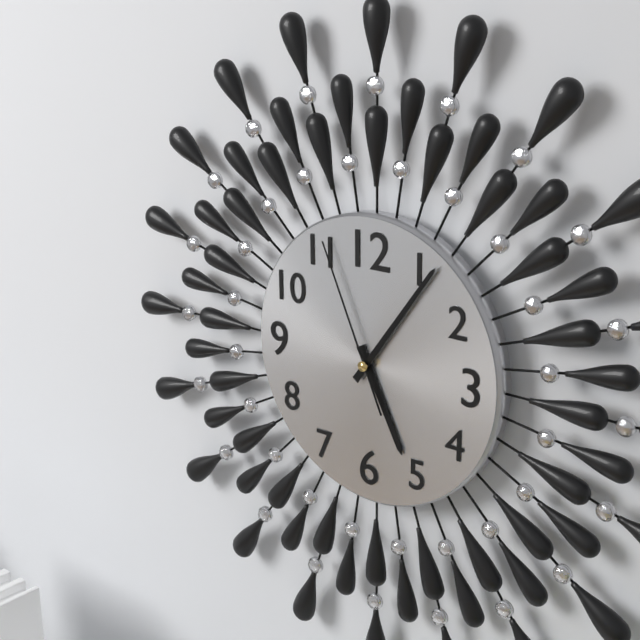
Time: **5:06:56**
